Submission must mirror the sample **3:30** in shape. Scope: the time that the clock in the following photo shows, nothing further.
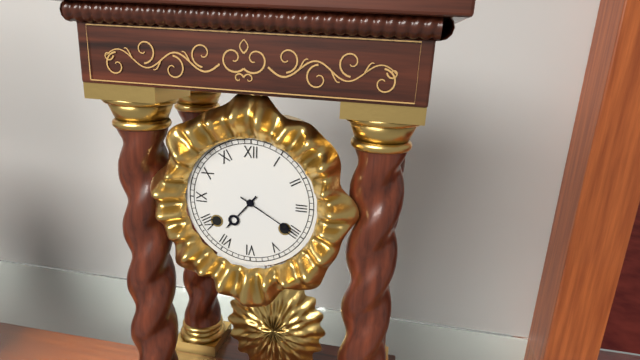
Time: **7:20**
